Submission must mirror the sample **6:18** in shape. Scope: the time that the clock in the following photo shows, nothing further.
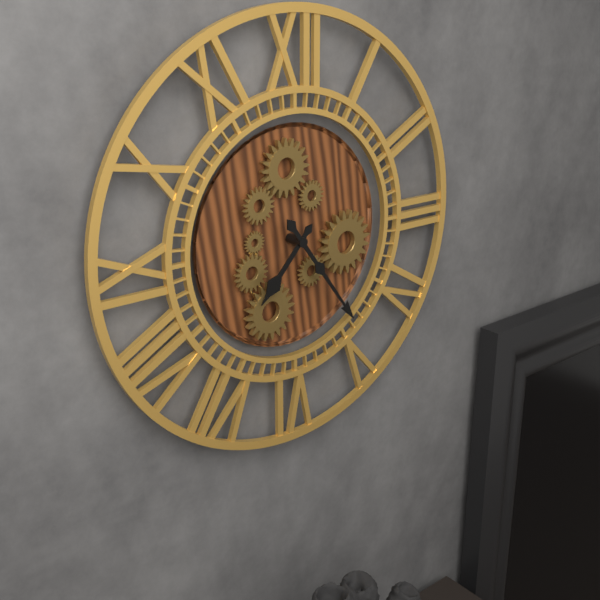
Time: **7:24**
